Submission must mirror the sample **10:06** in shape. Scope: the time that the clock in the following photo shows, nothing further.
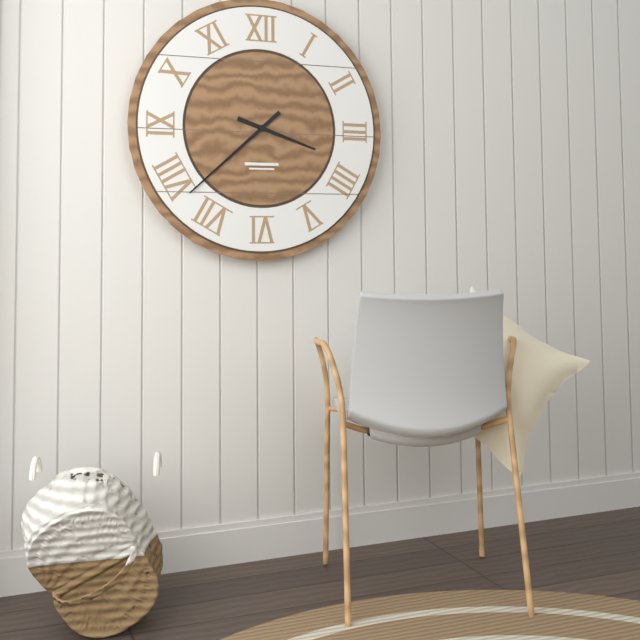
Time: **3:38**
